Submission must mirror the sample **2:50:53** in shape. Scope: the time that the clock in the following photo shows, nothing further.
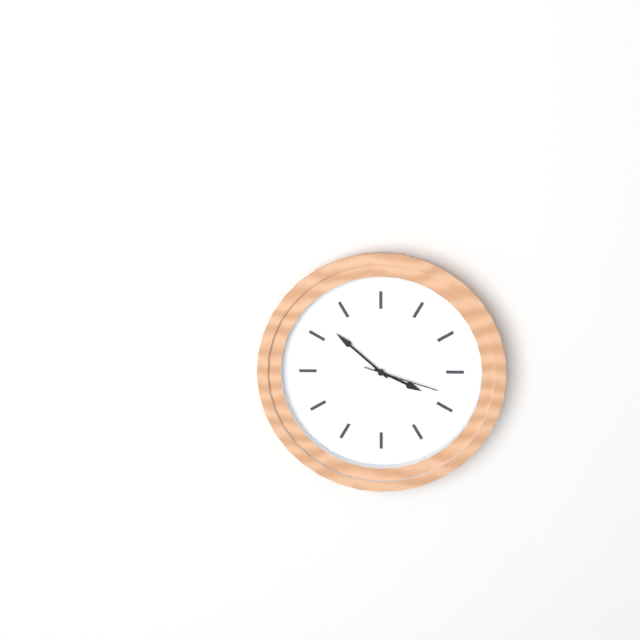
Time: **3:52:18**
